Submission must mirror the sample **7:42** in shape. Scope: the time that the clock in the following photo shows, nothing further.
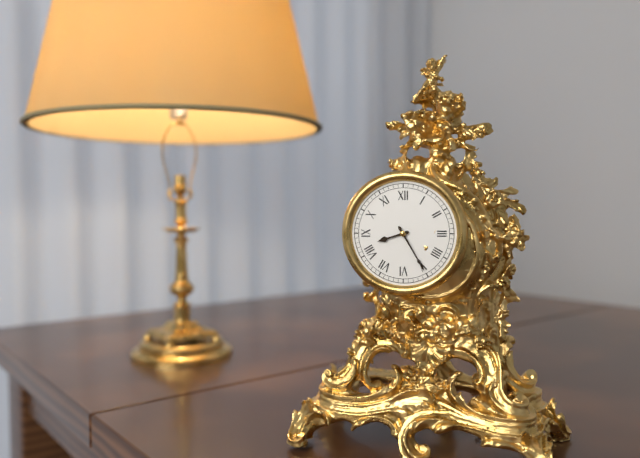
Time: **8:25**
